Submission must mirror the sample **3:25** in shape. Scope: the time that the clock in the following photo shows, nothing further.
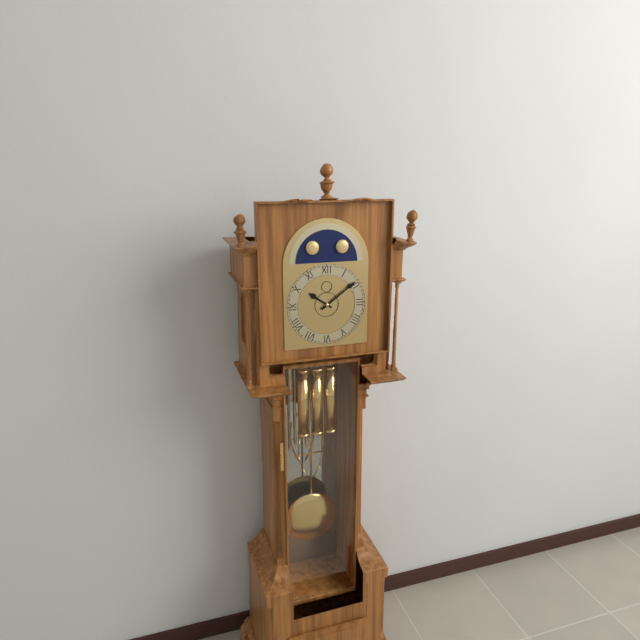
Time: **10:09**
